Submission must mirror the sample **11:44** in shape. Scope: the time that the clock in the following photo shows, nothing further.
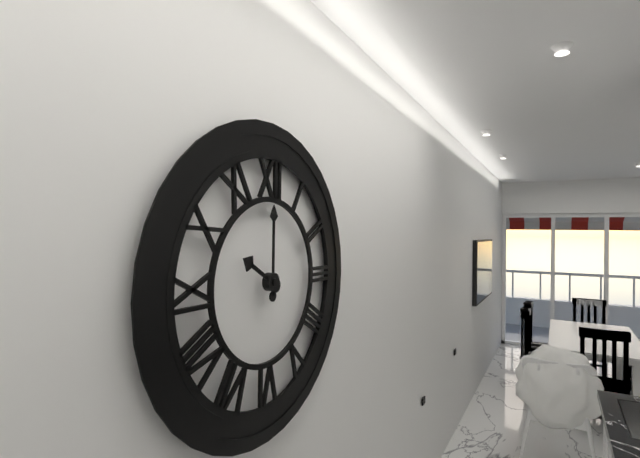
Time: **10:00**
